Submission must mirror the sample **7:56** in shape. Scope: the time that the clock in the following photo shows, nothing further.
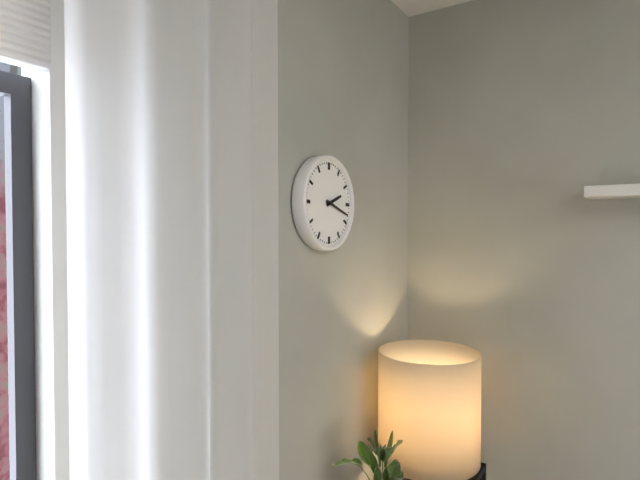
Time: **2:18**
